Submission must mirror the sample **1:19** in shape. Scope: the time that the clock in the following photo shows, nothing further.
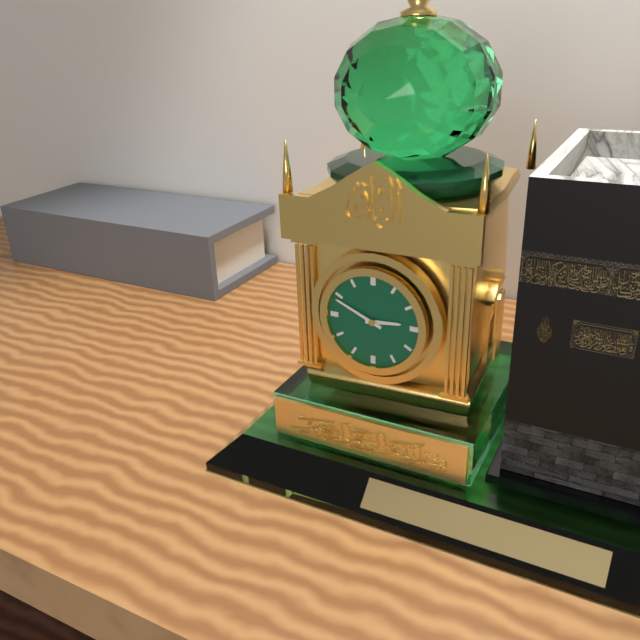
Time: **2:49**
